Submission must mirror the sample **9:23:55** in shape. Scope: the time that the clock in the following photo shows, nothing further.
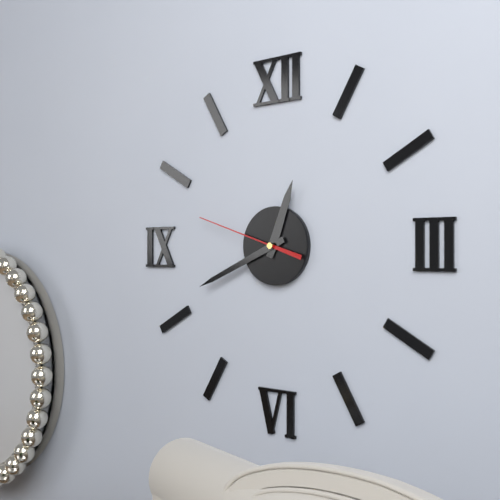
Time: **12:41:48**
